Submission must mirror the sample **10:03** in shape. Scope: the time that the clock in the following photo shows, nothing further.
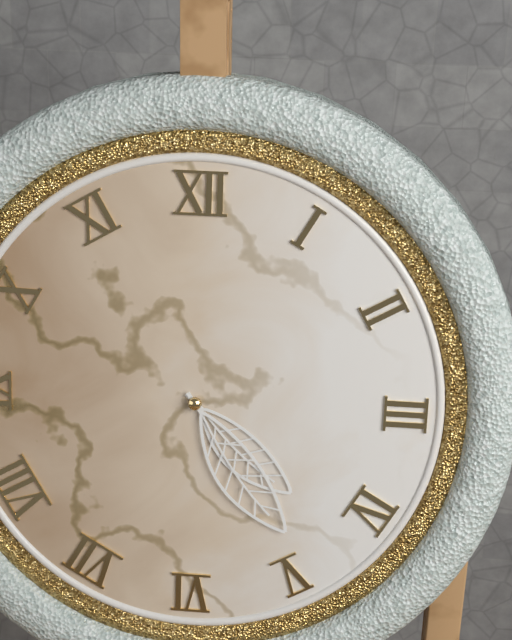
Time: **4:24**
